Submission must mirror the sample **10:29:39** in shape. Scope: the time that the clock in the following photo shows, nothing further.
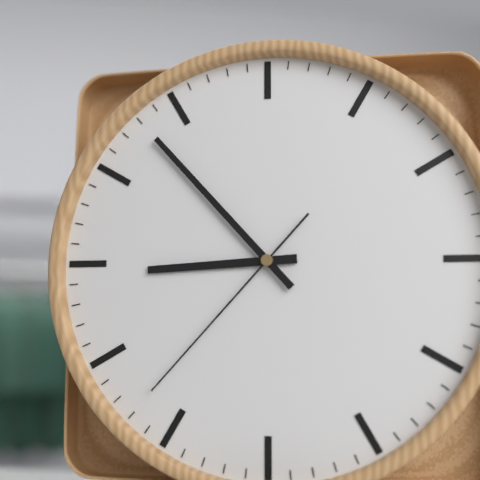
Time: **8:53:37**
